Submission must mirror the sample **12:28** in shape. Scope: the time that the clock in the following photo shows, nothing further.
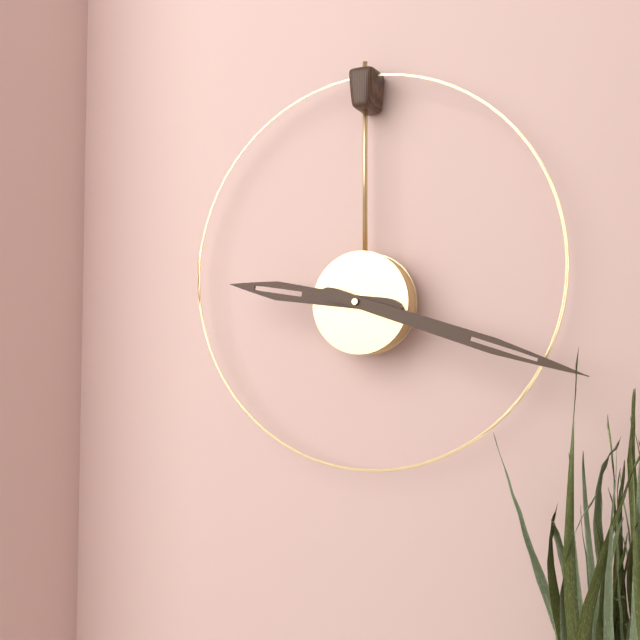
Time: **9:18**
